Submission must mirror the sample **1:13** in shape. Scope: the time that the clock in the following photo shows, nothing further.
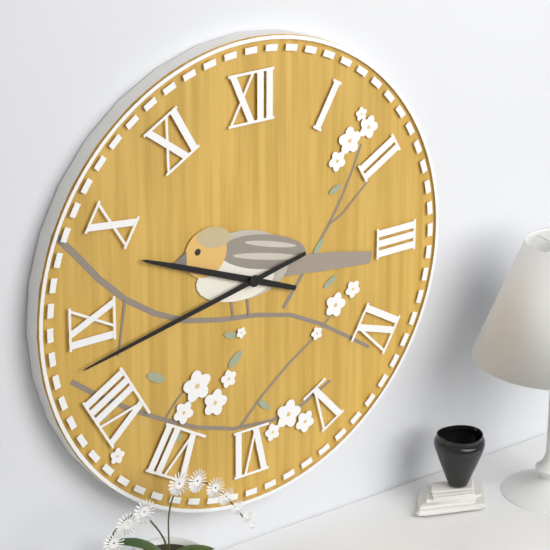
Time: **9:43**
